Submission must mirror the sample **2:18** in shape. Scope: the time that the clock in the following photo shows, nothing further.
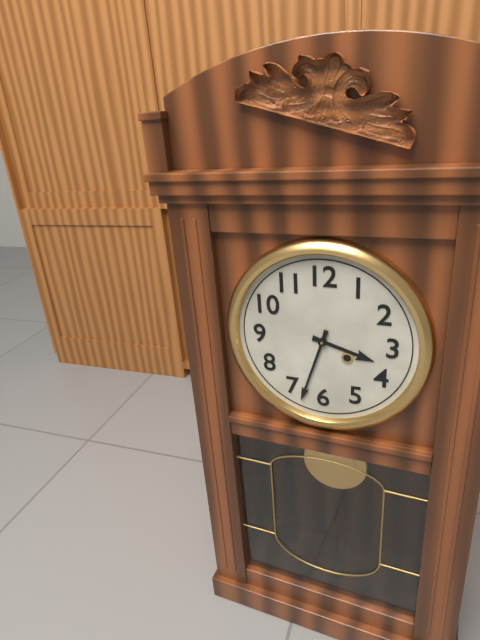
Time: **3:33**
